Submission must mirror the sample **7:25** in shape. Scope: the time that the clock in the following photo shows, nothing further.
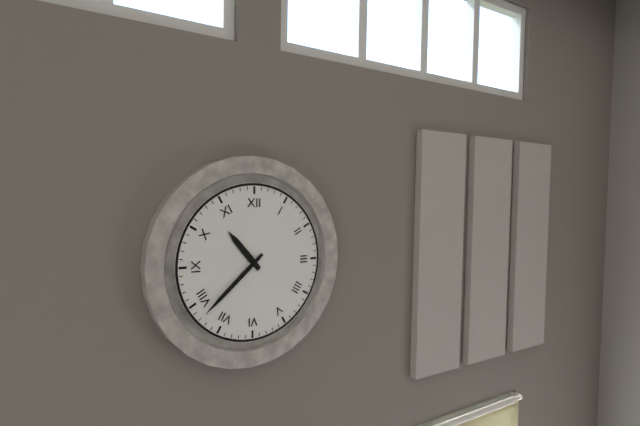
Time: **10:38**
